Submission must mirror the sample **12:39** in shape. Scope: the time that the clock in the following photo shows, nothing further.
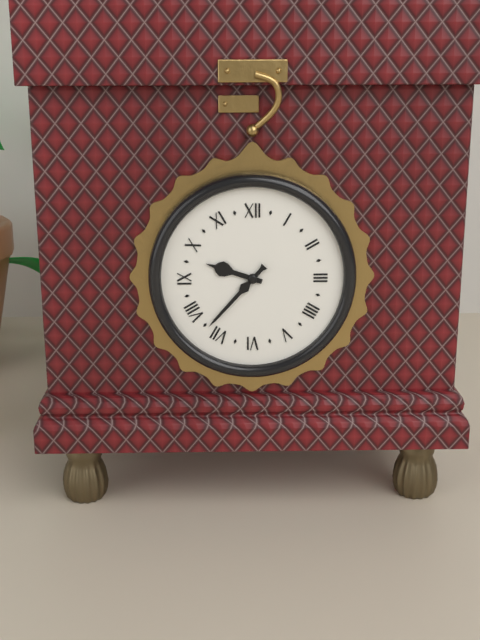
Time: **9:37**
